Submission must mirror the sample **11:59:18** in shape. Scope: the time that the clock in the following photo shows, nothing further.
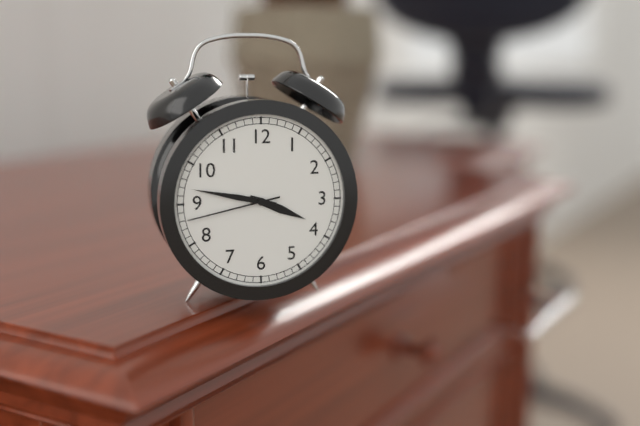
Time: **3:47:43**
